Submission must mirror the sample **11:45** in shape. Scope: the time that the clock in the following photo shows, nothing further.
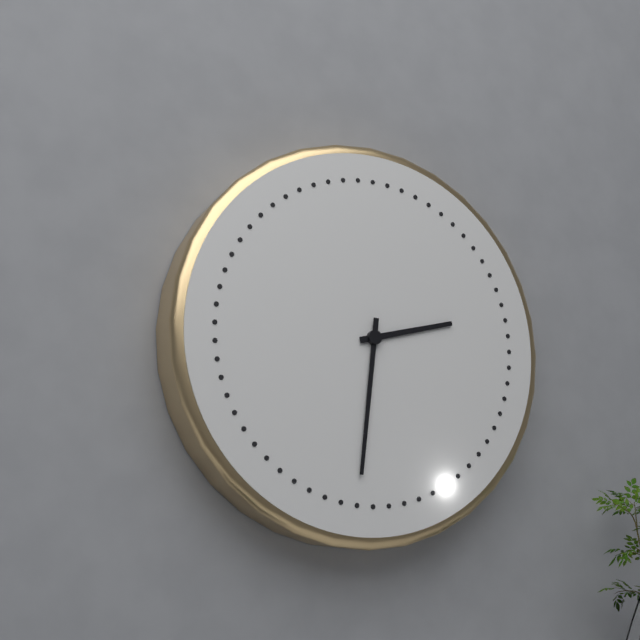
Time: **2:31**
